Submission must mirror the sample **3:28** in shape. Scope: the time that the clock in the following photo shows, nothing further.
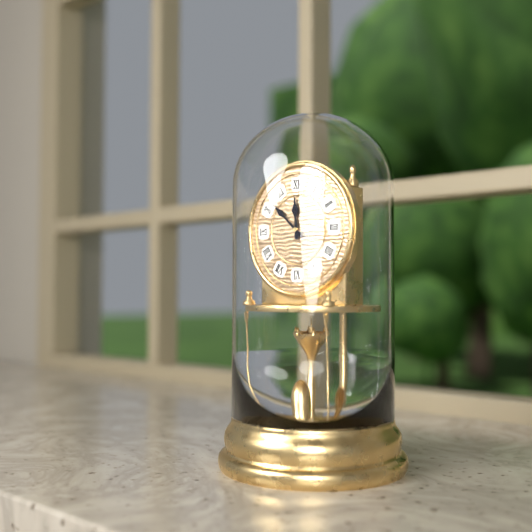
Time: **11:52**
